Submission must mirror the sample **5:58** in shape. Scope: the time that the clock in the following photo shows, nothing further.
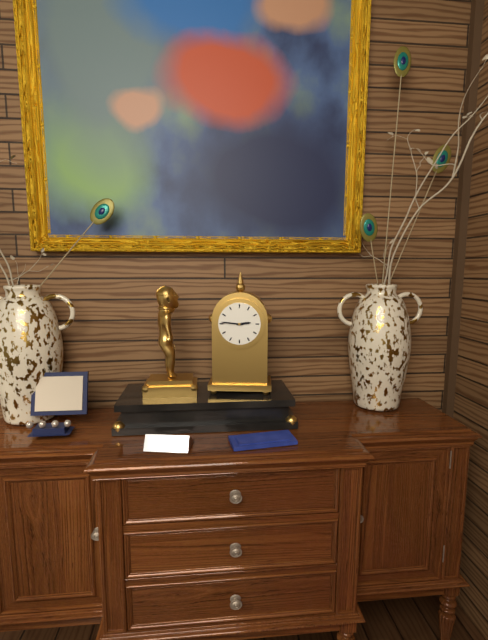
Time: **2:46**
